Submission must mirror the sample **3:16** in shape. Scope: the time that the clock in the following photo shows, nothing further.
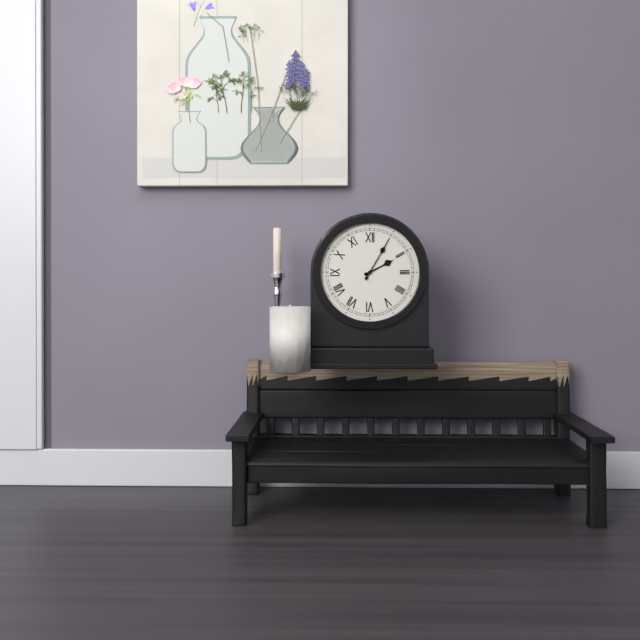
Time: **2:05**
